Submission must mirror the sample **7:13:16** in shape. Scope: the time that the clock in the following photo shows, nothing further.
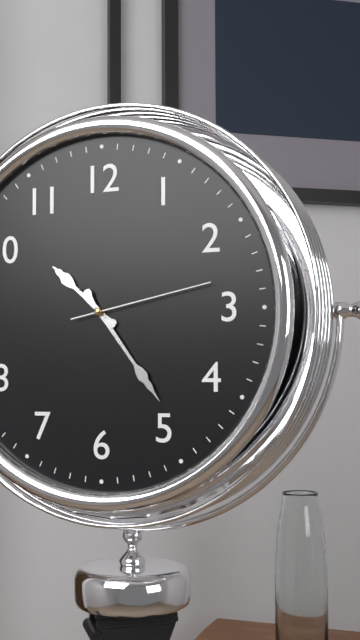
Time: **10:24:13**
